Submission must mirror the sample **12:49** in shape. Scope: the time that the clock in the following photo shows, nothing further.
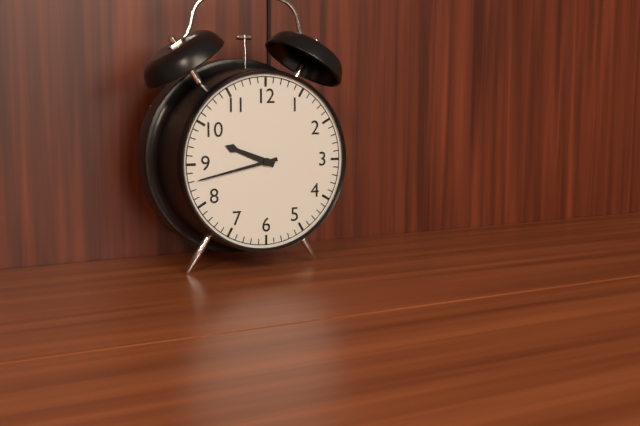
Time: **9:43**
